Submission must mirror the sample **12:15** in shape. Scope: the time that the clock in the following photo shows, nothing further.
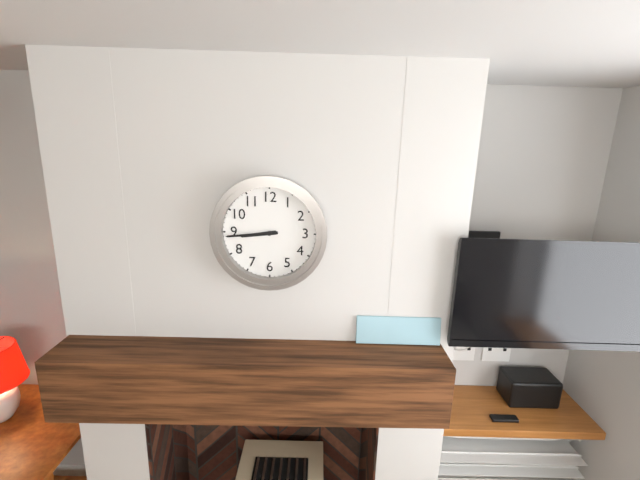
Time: **8:44**
